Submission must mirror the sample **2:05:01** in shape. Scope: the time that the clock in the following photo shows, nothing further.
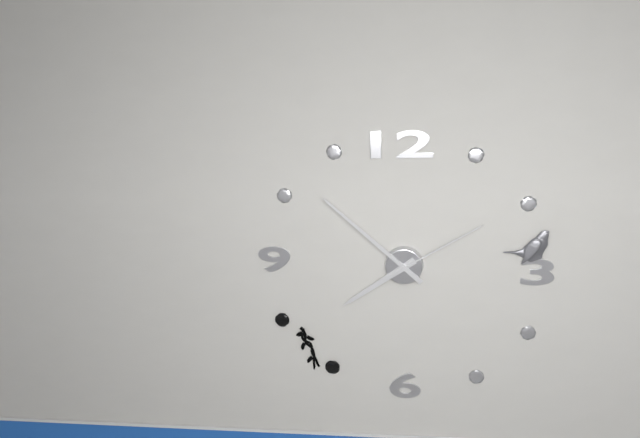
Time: **7:52:10**
